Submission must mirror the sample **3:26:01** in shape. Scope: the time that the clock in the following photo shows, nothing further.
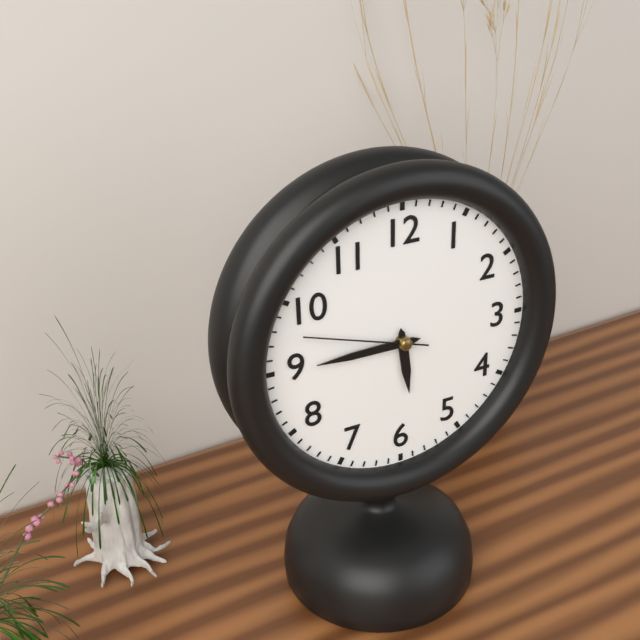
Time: **5:45:48**
